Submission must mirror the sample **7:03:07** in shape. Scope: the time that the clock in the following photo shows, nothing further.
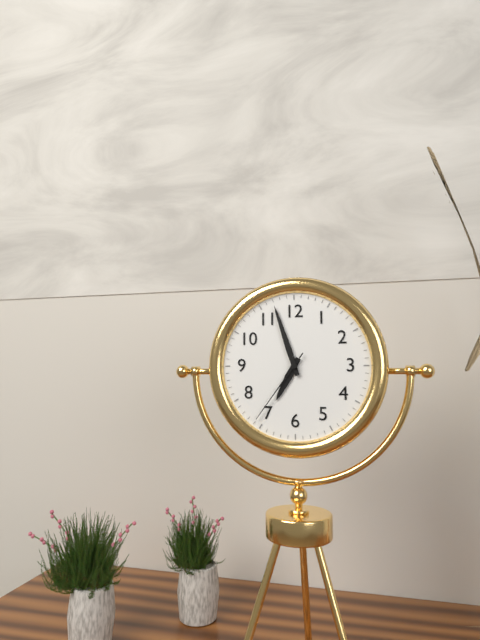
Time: **6:57:36**
